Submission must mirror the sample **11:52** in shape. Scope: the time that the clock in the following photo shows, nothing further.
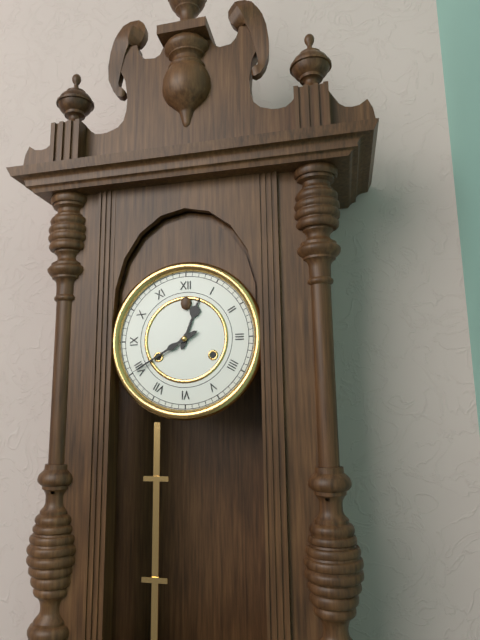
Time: **12:40**
